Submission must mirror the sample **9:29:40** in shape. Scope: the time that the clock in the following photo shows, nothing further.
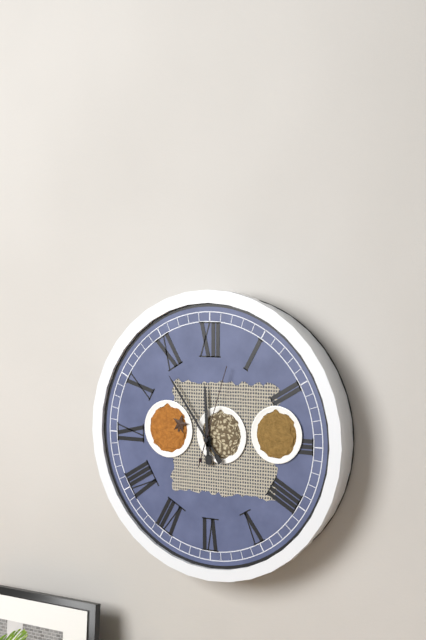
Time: **11:54:03**
